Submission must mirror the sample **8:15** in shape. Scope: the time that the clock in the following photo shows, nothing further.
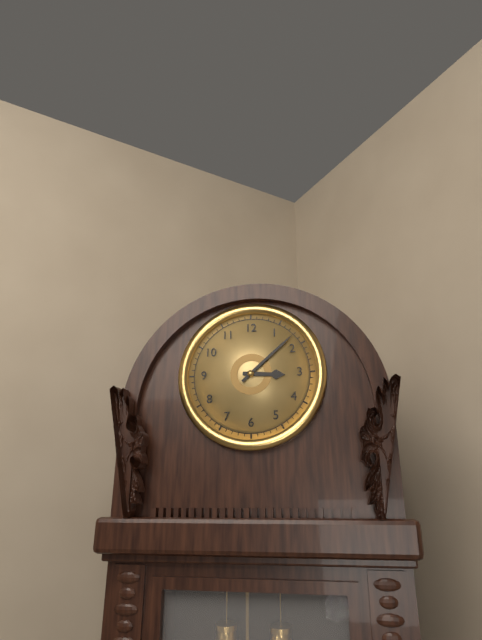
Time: **3:08**
